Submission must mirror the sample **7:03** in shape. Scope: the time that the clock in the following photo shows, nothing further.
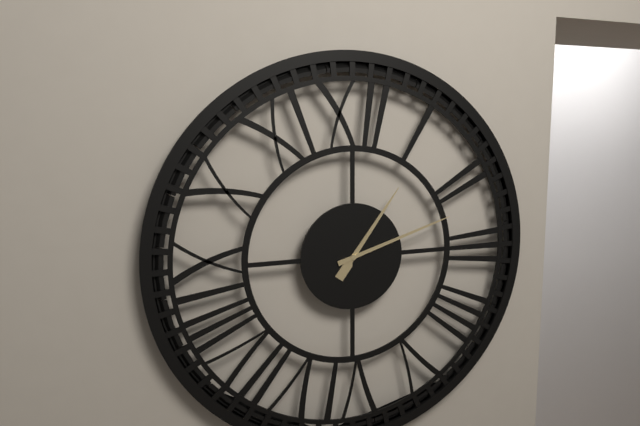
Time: **1:12**
